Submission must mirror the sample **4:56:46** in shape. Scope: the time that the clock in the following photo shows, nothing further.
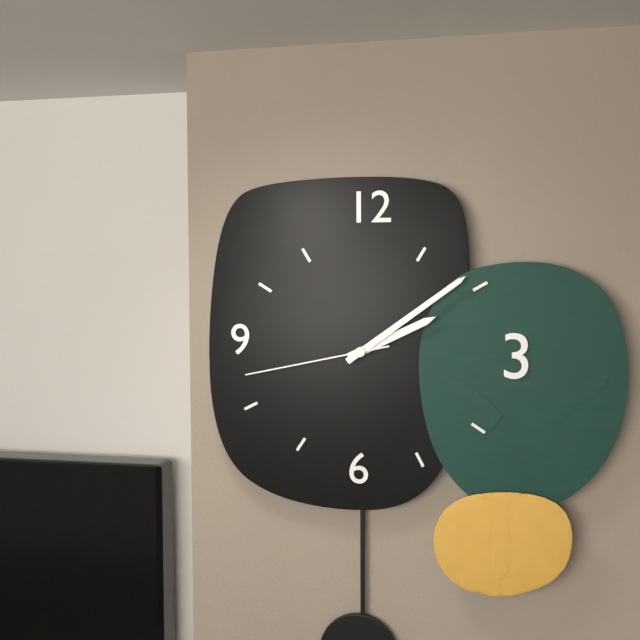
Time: **2:09:43**
